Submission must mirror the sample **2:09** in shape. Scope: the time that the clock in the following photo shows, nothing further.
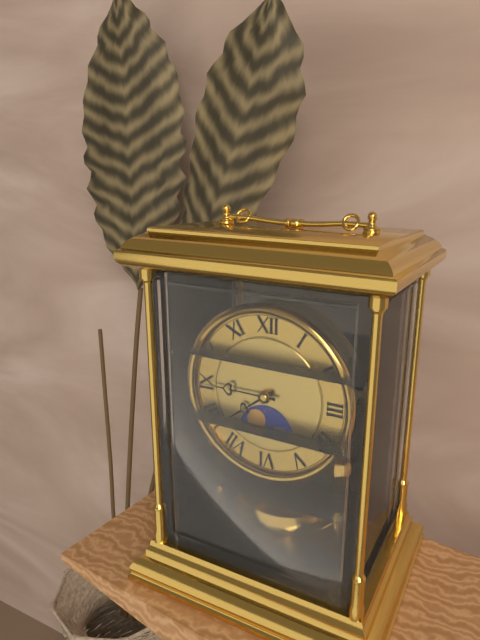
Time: **7:45**
